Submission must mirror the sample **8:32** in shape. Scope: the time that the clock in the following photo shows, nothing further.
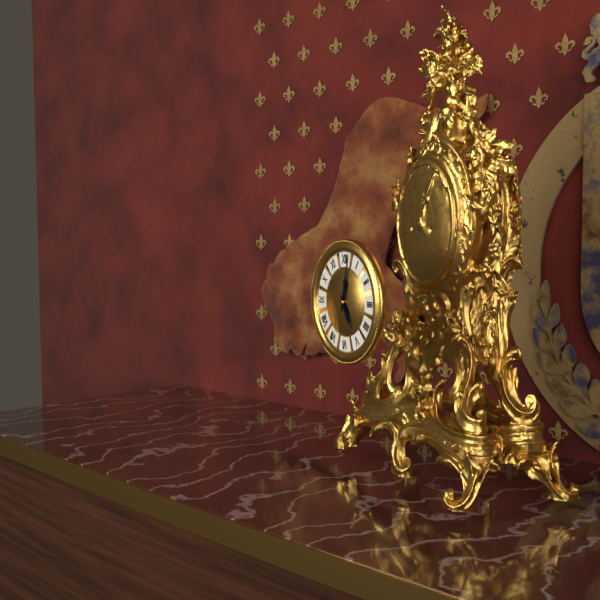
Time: **5:02**
